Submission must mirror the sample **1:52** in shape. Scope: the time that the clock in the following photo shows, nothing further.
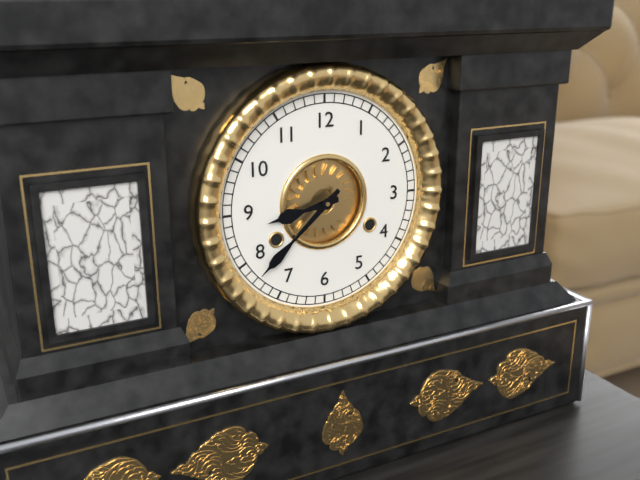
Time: **8:38**
